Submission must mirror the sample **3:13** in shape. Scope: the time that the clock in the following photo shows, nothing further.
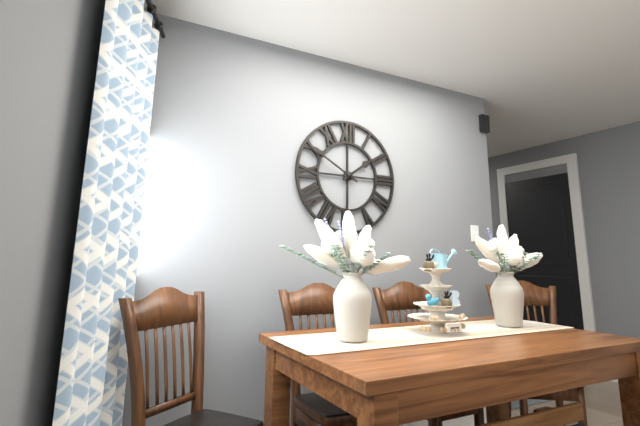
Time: **1:50**
